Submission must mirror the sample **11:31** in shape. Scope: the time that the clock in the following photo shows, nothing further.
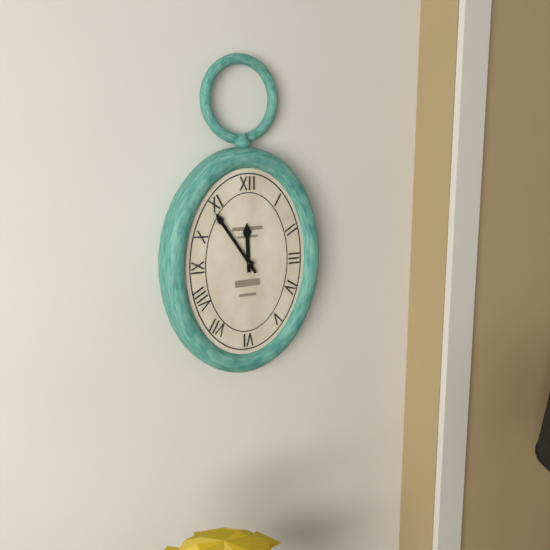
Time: **11:54**
